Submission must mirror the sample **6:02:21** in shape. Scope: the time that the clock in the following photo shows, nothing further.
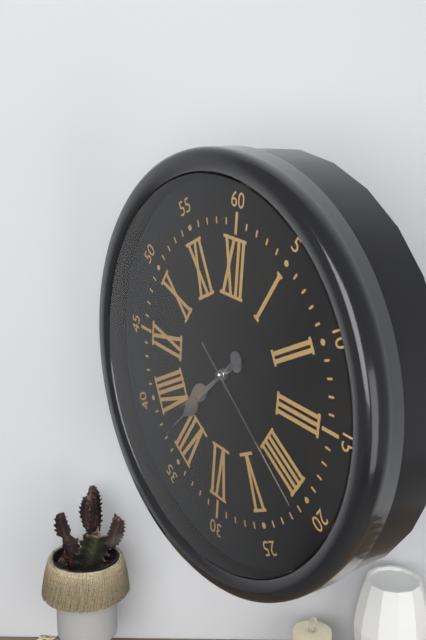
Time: **7:37:21**
